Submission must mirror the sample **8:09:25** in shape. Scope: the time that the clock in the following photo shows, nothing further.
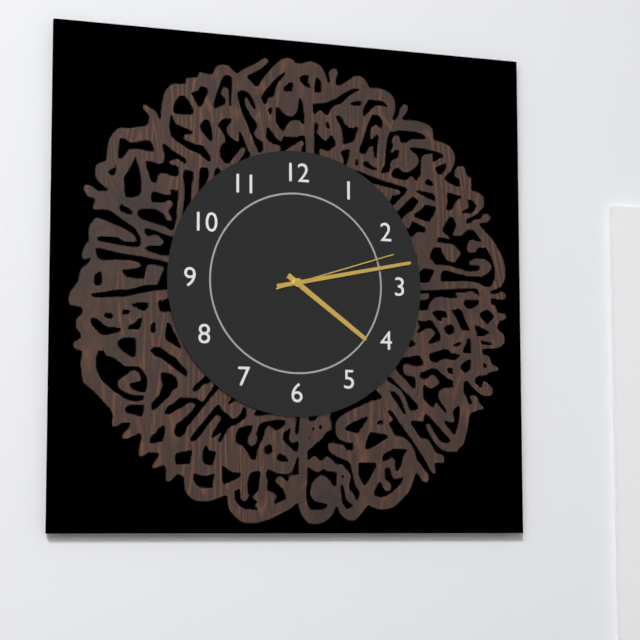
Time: **4:13:12**
